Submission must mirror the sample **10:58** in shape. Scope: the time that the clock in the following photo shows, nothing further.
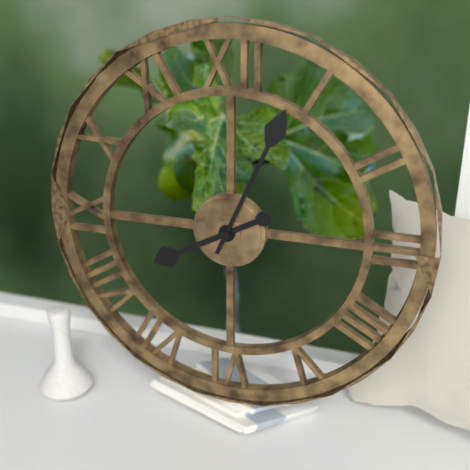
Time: **8:04**
